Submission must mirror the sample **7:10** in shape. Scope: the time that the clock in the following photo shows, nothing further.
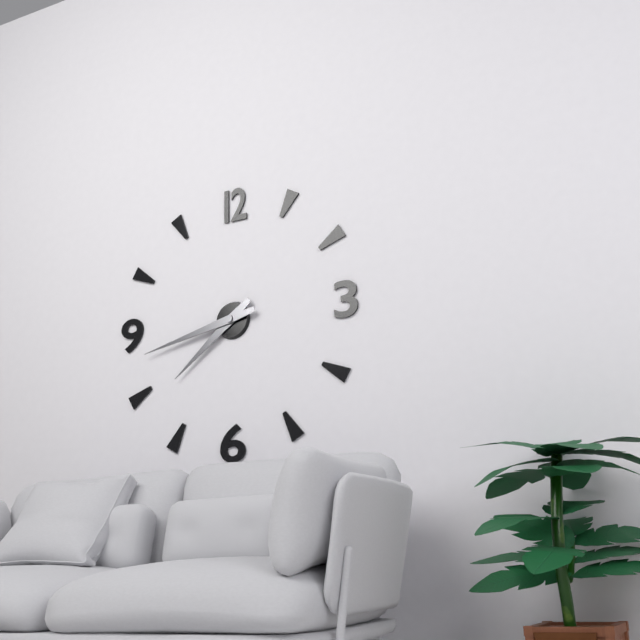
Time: **7:43**
